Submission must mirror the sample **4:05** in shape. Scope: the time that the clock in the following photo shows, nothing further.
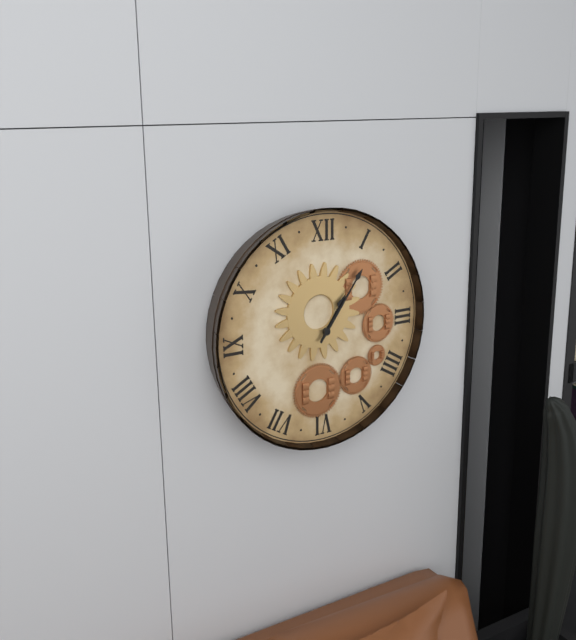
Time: **1:06**
